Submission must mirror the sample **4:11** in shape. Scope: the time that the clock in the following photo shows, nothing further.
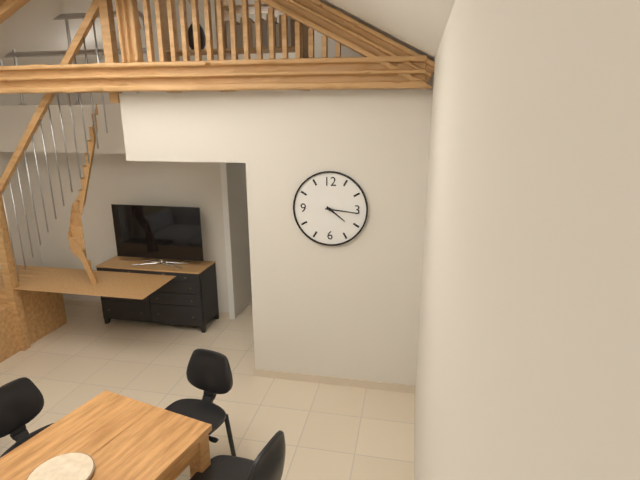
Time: **4:16**
